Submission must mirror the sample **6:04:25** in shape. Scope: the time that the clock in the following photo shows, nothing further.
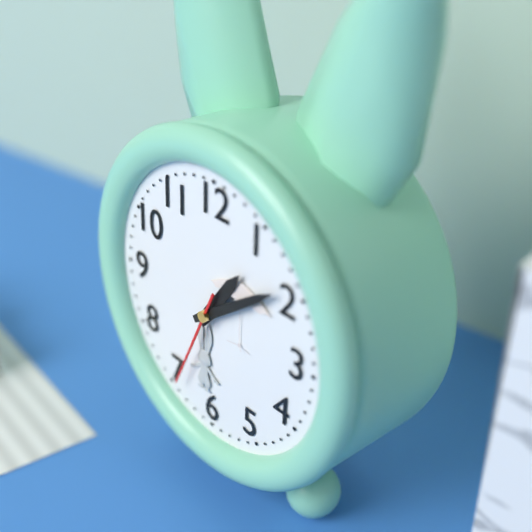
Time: **1:09:34**
